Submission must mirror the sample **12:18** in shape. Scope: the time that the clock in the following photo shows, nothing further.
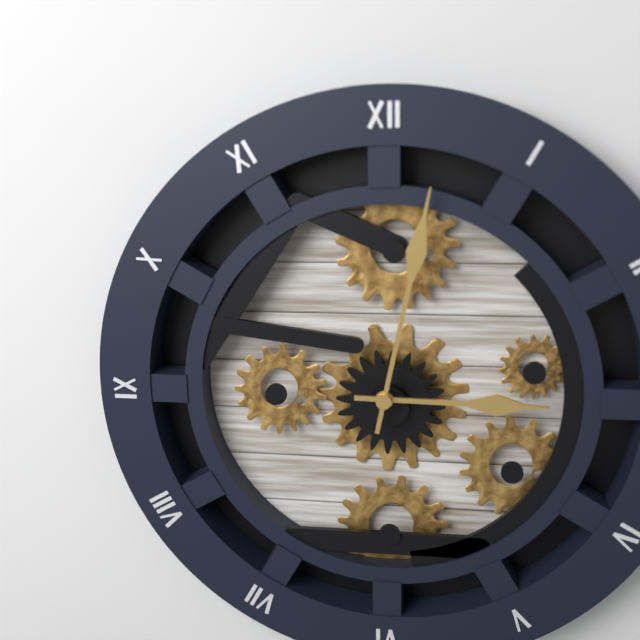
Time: **3:02**
